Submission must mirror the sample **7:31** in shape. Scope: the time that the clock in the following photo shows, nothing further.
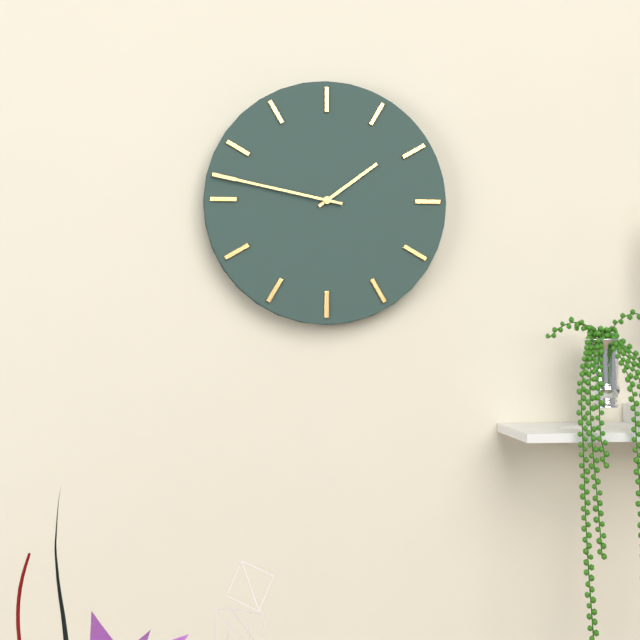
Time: **1:47**
